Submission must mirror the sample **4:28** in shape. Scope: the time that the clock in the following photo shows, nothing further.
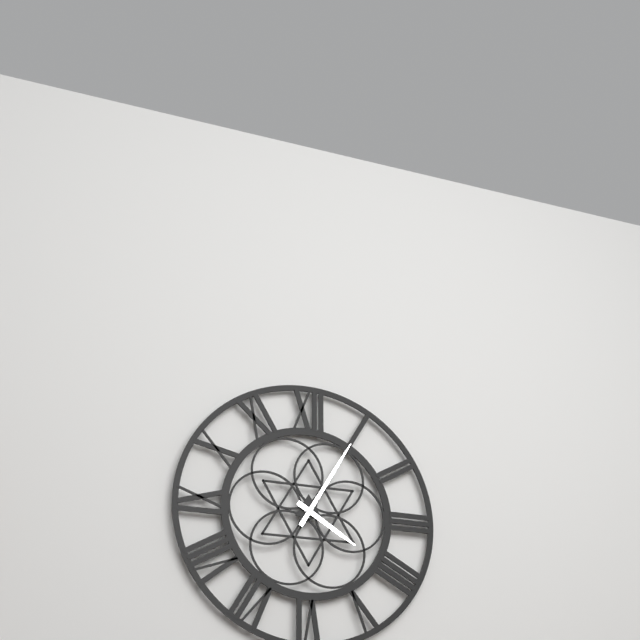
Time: **4:05**
